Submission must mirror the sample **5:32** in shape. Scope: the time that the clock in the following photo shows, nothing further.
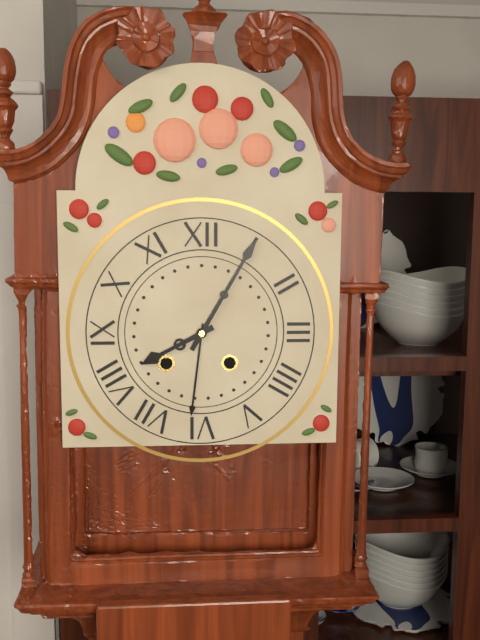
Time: **8:05**
